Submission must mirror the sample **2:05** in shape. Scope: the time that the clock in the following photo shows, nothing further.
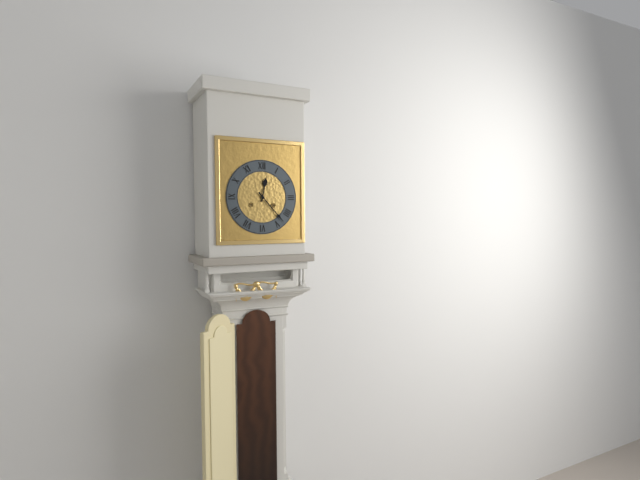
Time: **12:23**
